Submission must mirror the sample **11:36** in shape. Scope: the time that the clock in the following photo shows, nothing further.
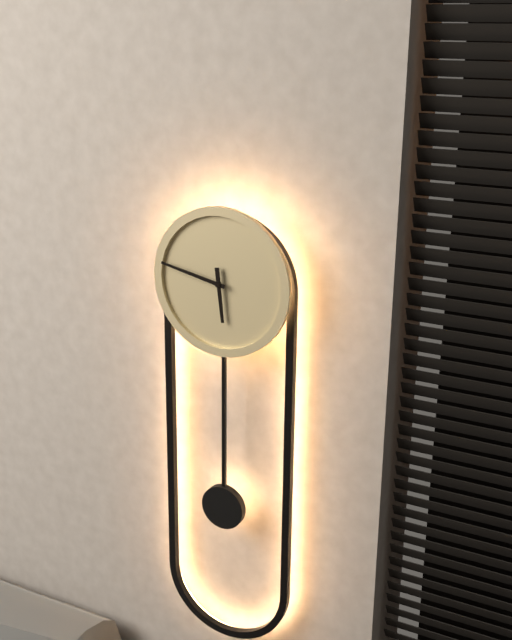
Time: **5:47**
